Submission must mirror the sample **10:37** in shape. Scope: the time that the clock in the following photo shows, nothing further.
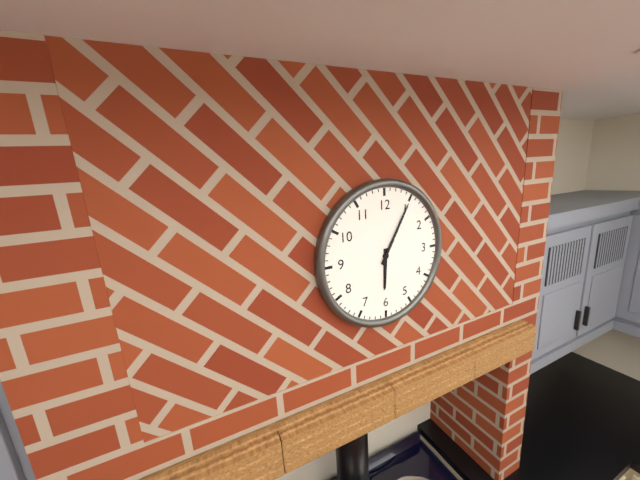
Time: **6:05**
